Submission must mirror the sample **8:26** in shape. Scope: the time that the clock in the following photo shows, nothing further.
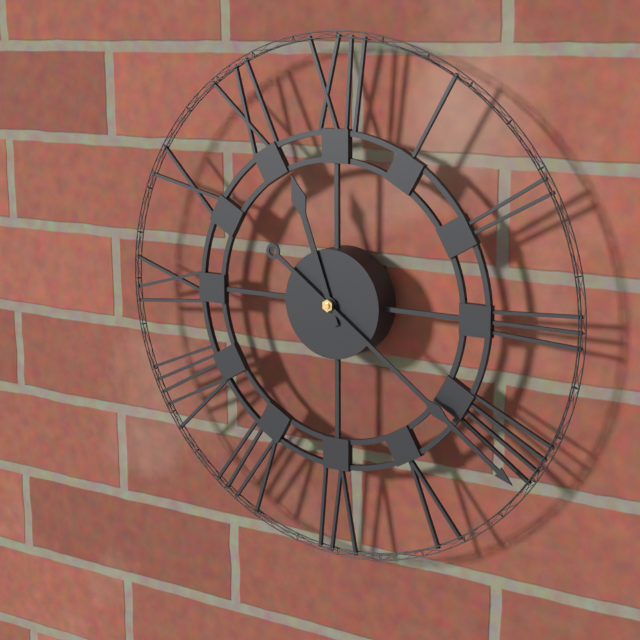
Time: **11:21**
